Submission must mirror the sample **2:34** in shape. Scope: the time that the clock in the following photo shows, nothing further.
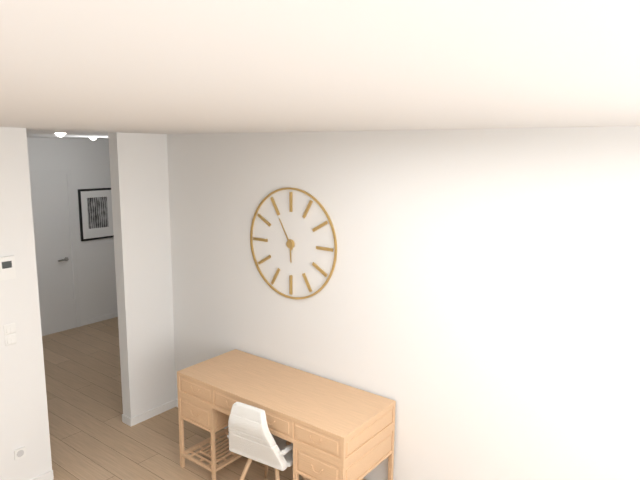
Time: **5:55**
